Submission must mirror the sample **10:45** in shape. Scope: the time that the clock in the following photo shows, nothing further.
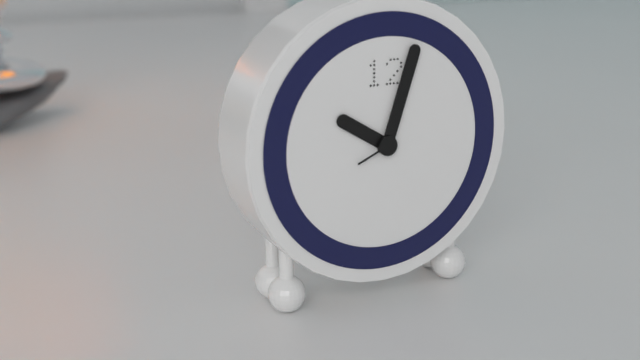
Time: **10:03**
